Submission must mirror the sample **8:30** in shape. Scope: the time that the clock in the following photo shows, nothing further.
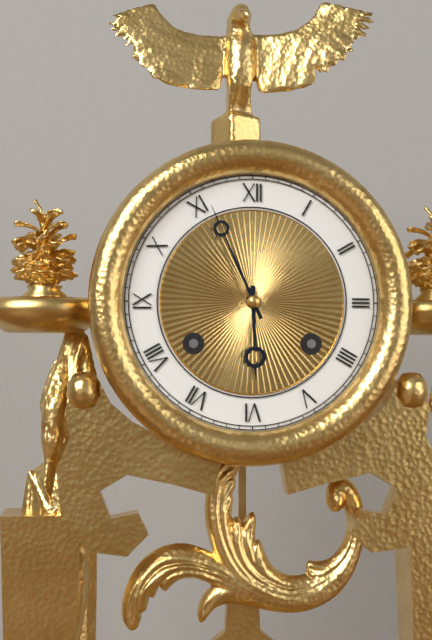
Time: **5:56**
